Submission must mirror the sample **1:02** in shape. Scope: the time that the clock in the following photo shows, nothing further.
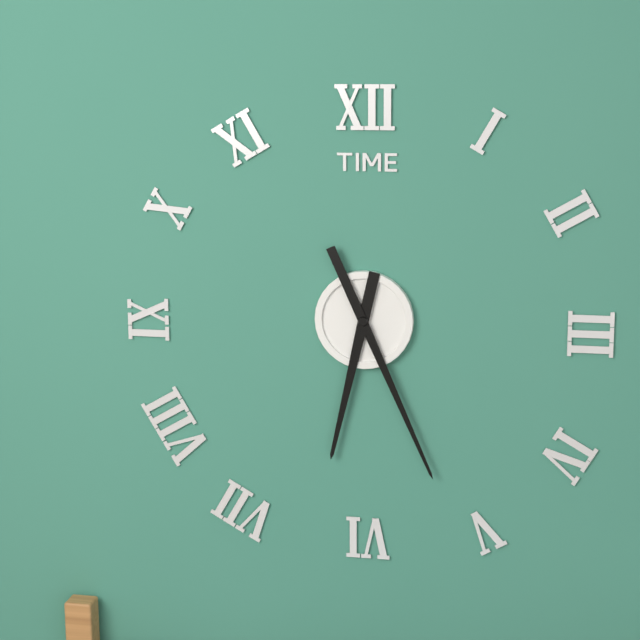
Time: **6:26**
